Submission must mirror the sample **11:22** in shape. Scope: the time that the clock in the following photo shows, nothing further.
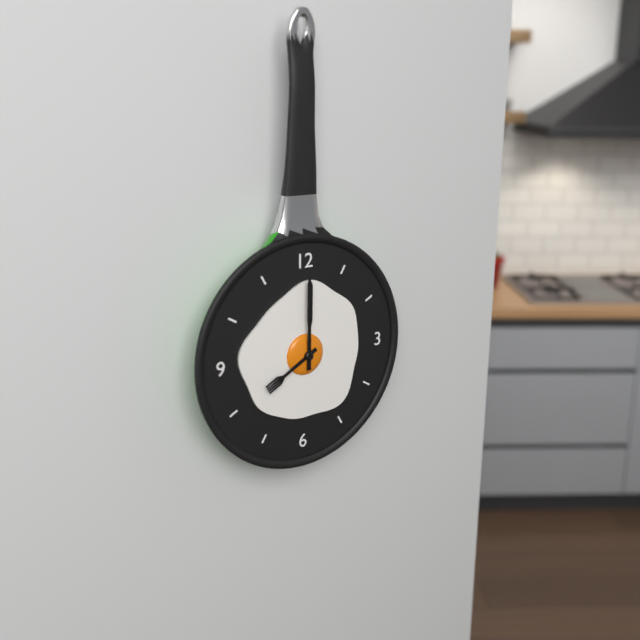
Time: **8:00**
